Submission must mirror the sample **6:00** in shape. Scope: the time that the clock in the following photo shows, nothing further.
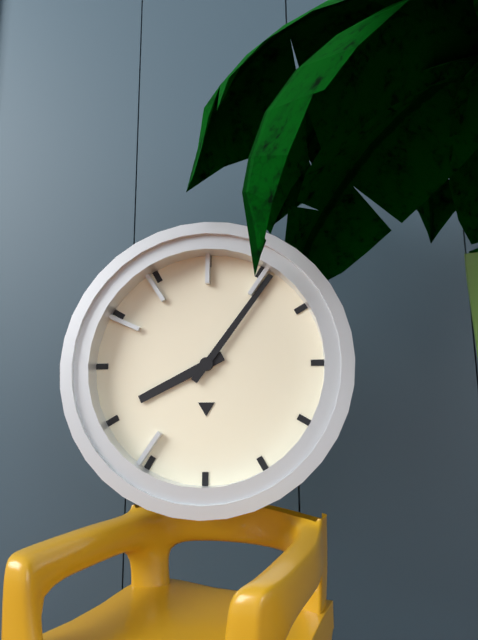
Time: **8:06**
